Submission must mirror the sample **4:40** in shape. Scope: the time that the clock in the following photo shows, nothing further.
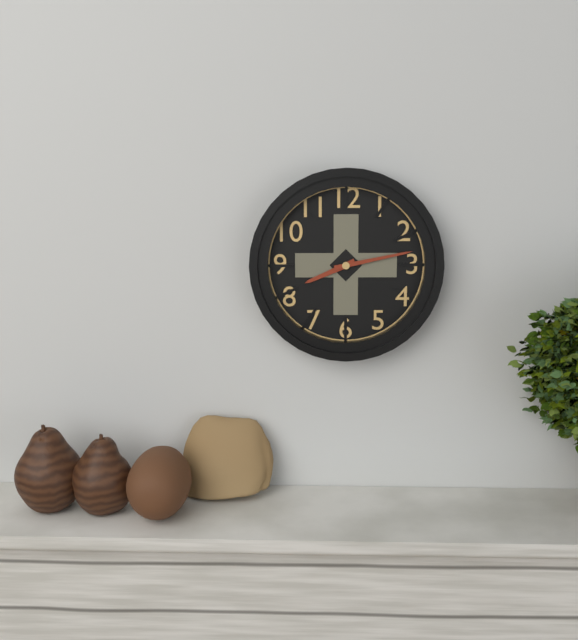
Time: **8:13**
